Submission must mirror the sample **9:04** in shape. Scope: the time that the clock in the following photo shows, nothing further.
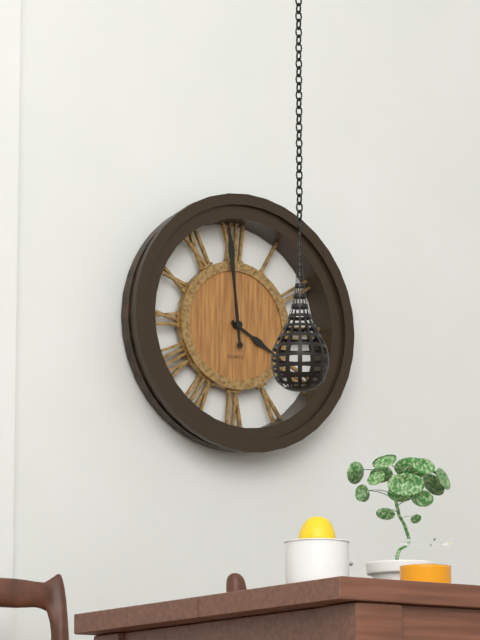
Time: **3:59**
